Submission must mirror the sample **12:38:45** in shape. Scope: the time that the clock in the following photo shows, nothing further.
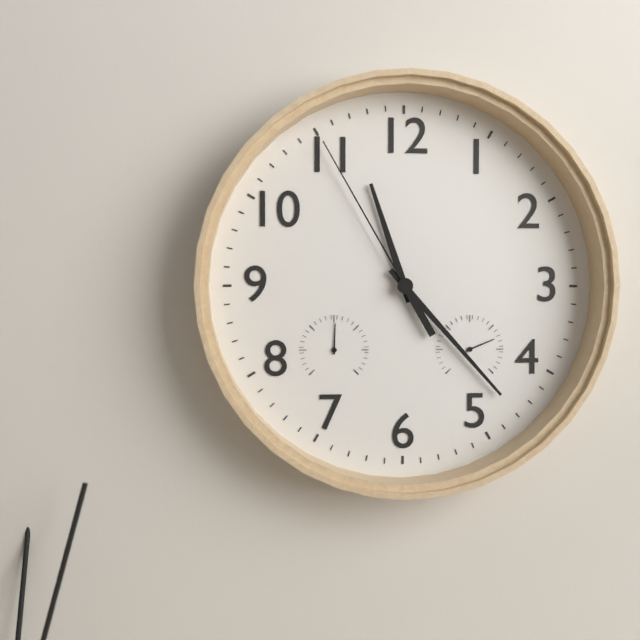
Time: **11:23:55**
